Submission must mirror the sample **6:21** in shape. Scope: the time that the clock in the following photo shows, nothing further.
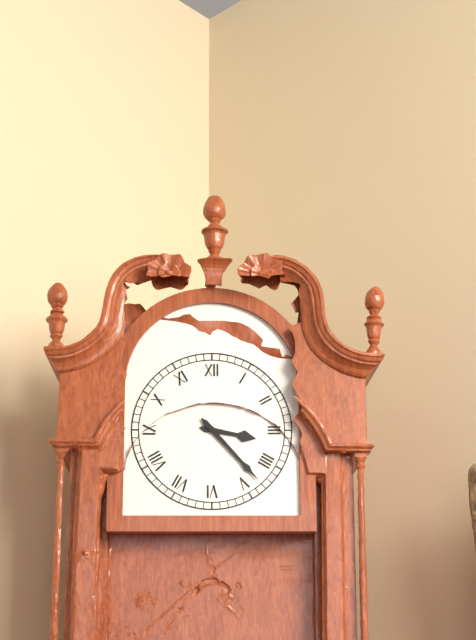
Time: **3:23**
